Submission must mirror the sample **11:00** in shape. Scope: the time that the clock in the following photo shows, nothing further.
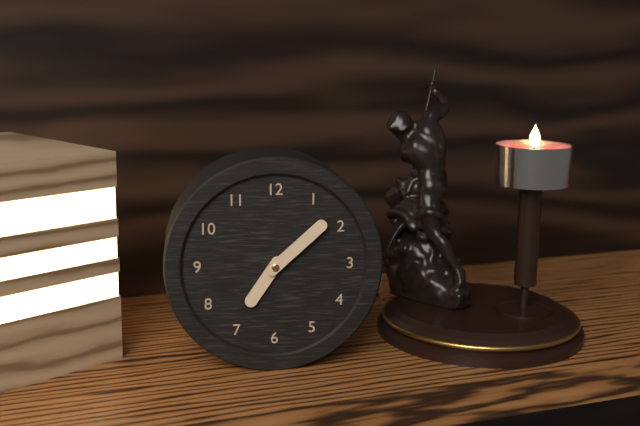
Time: **7:08**
